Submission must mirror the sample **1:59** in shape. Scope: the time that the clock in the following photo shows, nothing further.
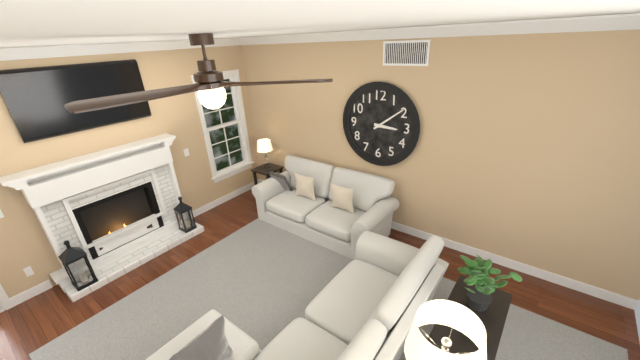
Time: **3:09**
